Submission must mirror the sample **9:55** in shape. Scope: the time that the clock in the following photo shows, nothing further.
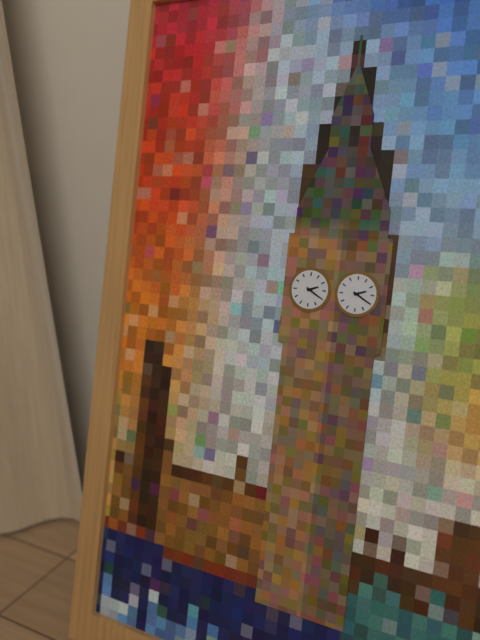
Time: **2:20**
